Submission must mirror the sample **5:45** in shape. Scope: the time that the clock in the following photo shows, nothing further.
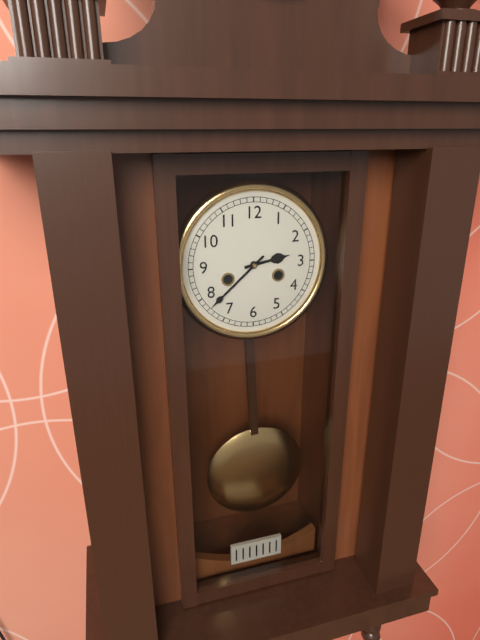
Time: **2:38**
